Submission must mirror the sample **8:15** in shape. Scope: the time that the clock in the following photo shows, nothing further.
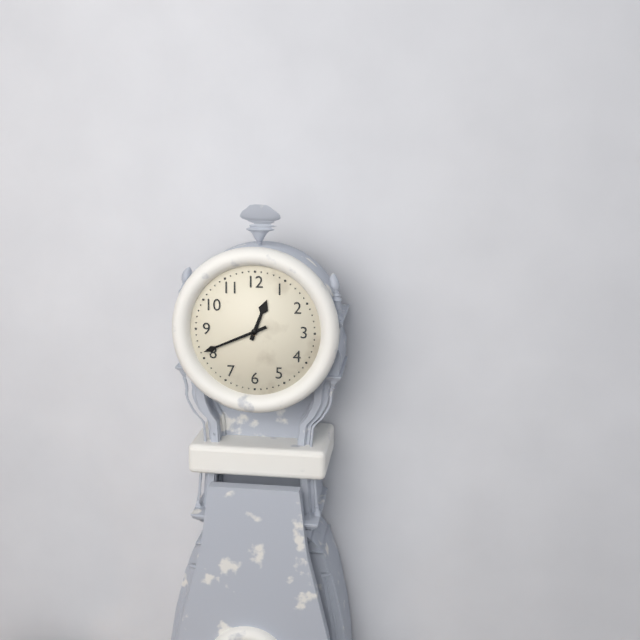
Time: **12:41**
